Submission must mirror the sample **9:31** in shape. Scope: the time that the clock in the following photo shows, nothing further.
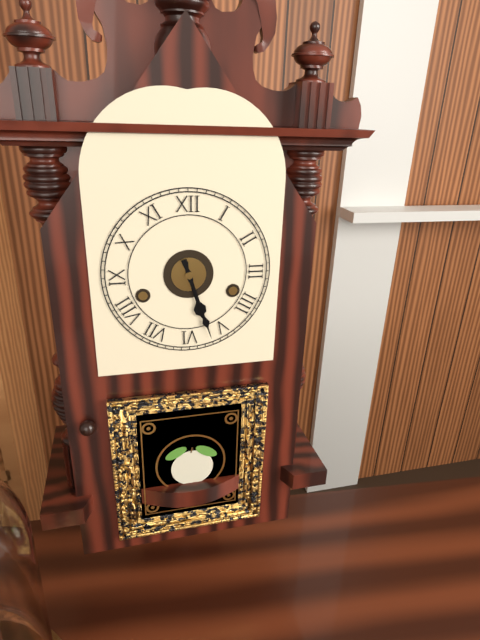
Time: **5:27**
